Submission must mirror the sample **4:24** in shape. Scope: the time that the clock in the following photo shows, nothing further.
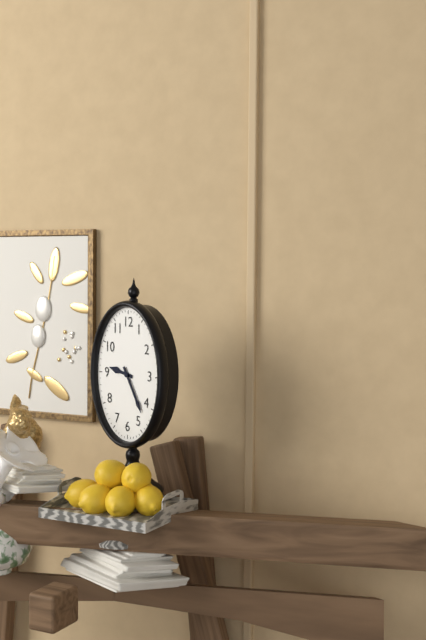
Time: **9:25**
